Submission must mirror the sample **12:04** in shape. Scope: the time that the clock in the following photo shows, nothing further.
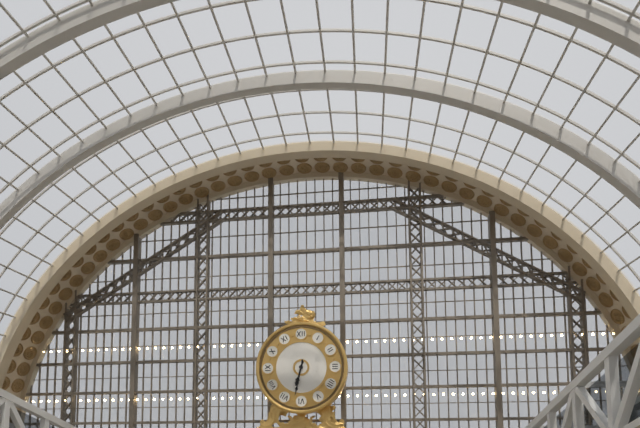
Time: **6:32**
